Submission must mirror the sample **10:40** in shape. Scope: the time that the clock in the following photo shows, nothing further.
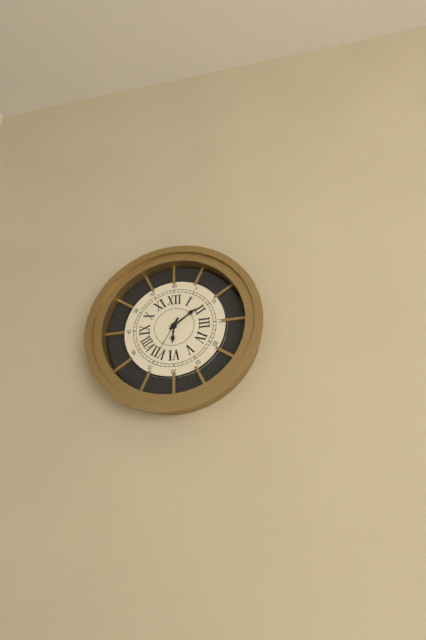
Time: **6:09**
